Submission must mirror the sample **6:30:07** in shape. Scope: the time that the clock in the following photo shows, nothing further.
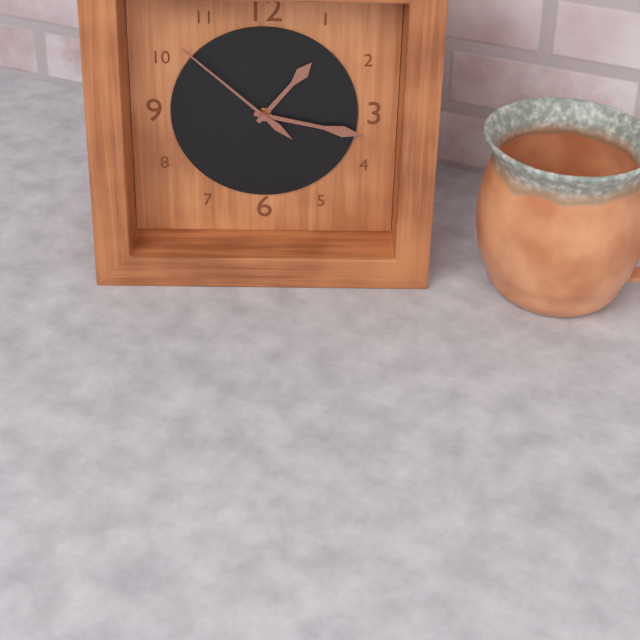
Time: **1:17:52**
